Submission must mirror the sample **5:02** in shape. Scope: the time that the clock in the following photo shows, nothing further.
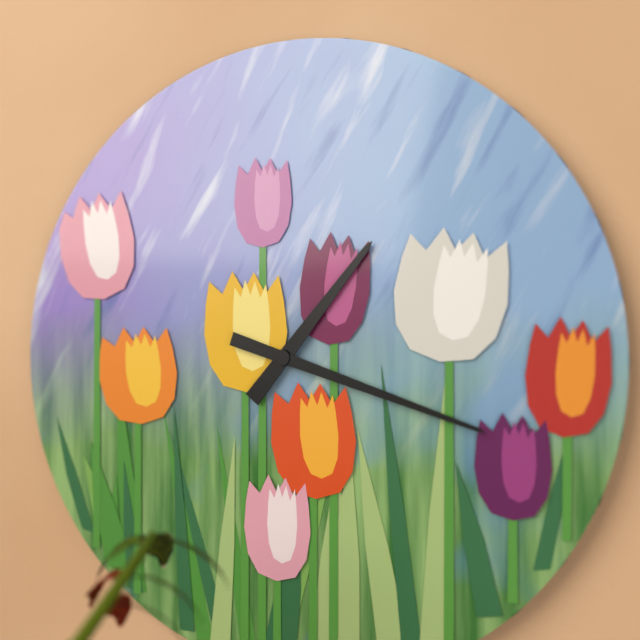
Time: **1:18**
